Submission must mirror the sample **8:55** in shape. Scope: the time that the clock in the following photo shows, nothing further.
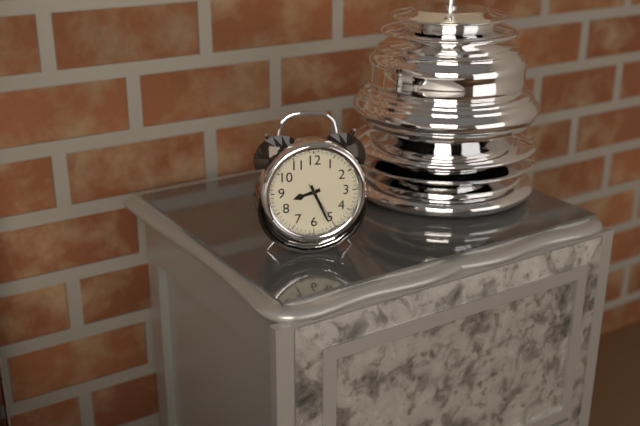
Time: **8:26**
